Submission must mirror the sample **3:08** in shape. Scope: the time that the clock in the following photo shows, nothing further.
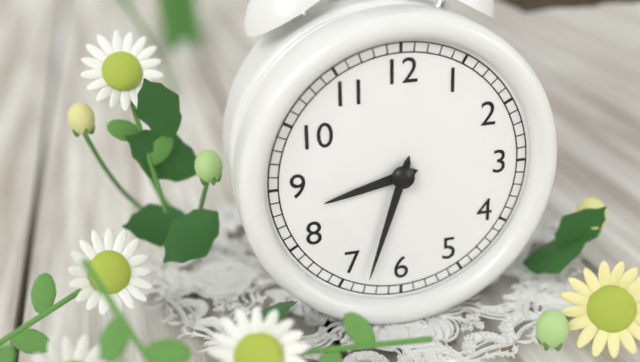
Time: **8:33**
